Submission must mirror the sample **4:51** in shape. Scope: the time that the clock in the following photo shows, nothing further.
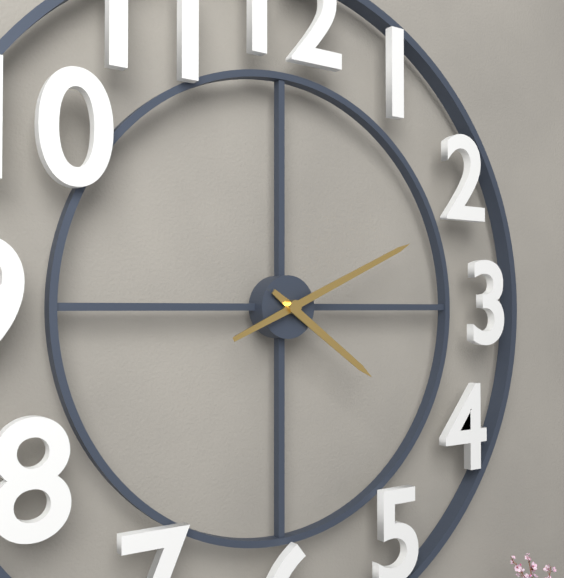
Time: **4:11**
